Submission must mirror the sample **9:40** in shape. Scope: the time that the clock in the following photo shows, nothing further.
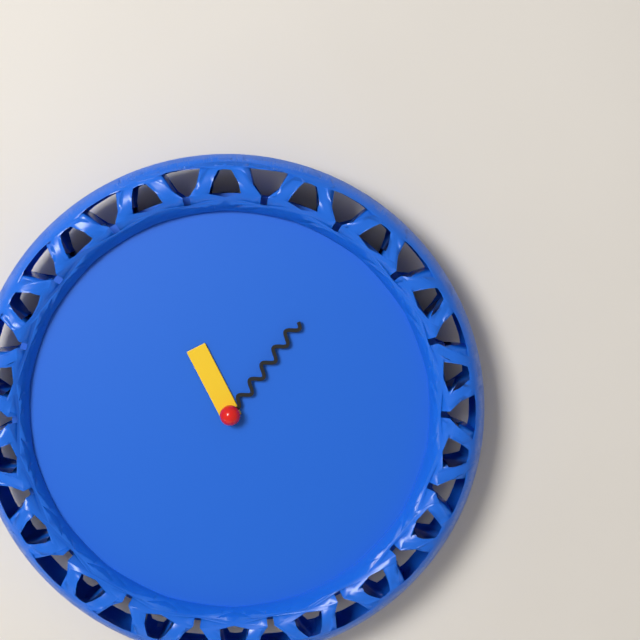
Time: **11:06**
